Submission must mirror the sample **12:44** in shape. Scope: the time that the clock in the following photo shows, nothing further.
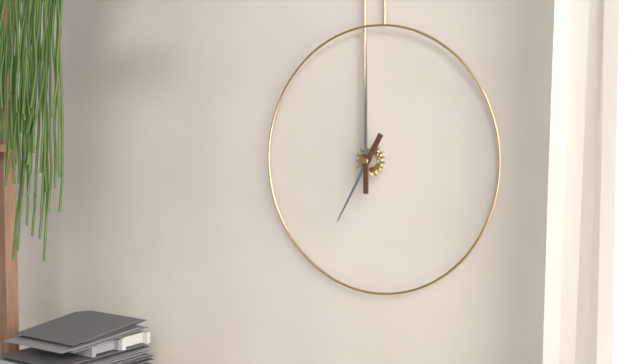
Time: **7:00**
